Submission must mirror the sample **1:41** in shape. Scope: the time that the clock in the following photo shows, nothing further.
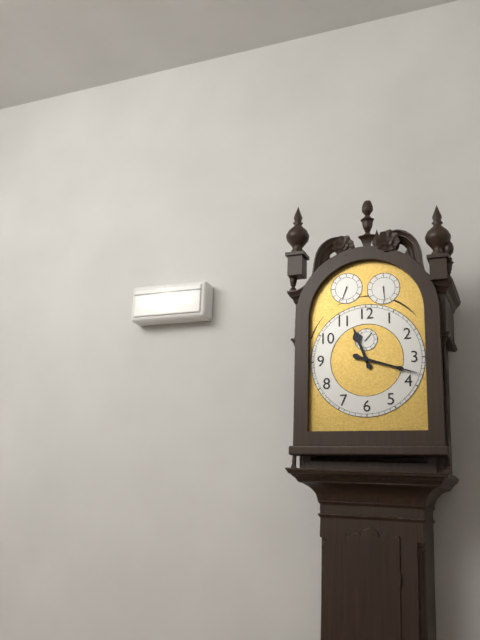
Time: **11:18**
